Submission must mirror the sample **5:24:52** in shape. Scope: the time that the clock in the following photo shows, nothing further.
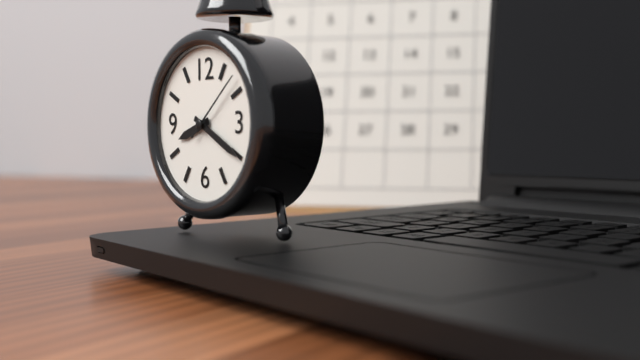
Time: **8:20:08**
